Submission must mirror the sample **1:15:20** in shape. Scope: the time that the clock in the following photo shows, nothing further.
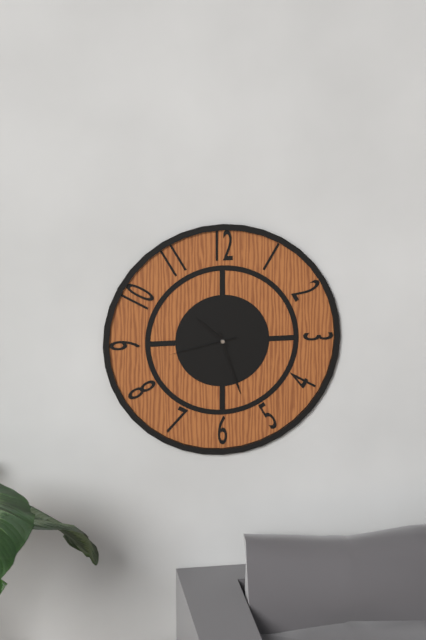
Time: **10:27:43**
